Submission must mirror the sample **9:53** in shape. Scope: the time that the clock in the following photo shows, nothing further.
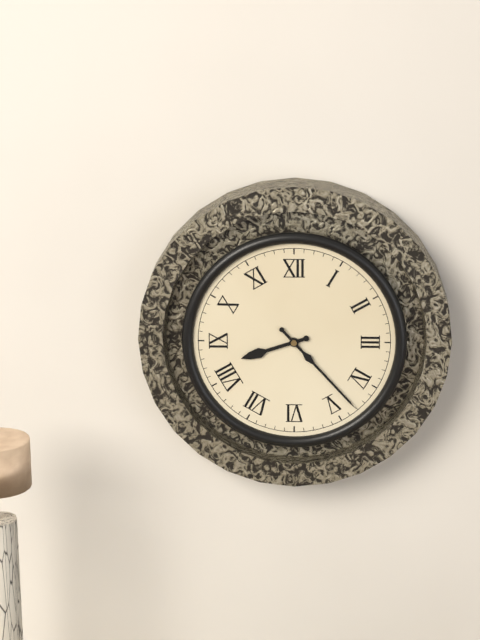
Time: **8:23**
